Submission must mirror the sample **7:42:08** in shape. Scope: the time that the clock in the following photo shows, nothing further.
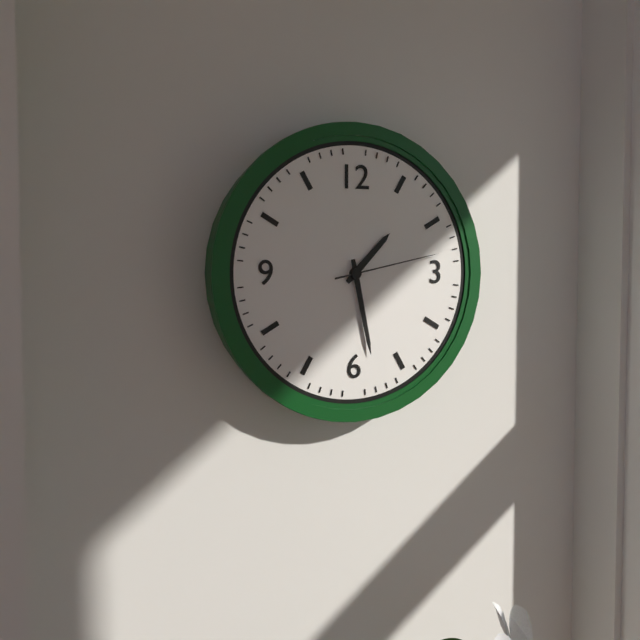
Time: **1:28:13**
